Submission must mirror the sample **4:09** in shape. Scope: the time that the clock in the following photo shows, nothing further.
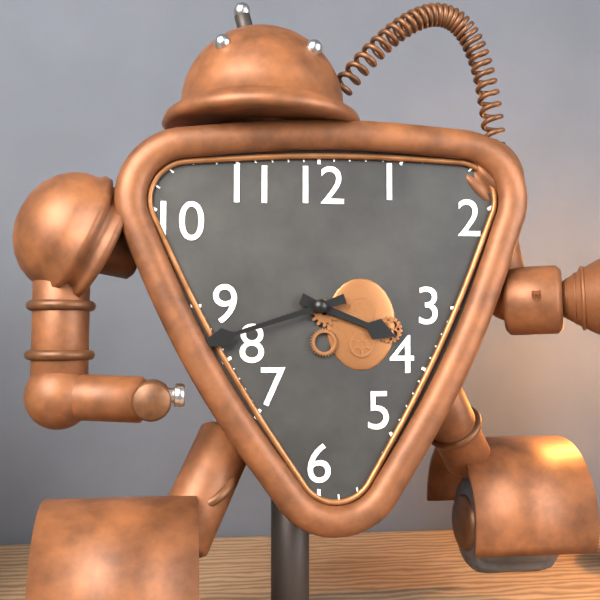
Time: **3:42**
